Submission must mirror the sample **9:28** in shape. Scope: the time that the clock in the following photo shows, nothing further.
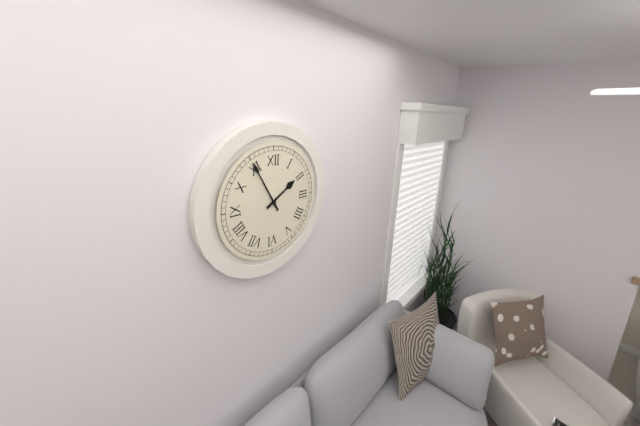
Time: **1:55**
